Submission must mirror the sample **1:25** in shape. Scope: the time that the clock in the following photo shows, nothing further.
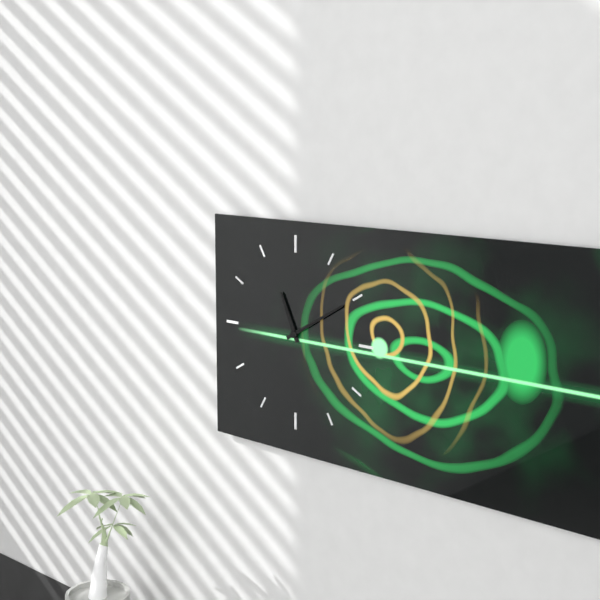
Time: **11:10**
